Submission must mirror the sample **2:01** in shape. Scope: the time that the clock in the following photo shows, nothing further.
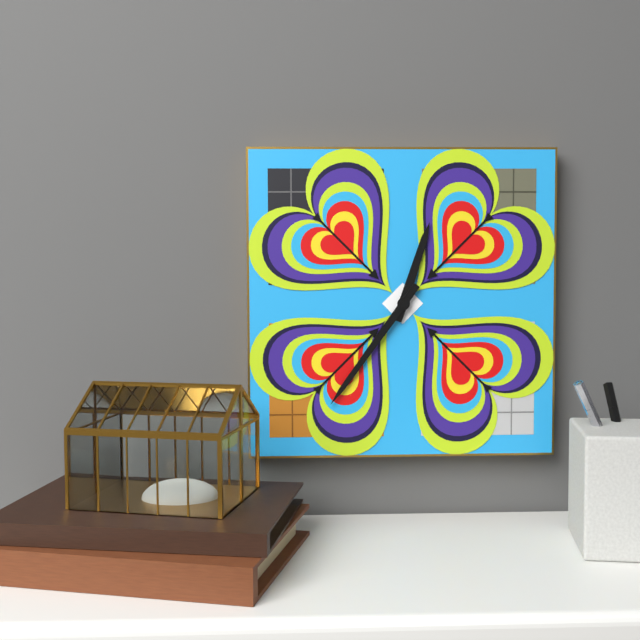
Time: **12:36**
